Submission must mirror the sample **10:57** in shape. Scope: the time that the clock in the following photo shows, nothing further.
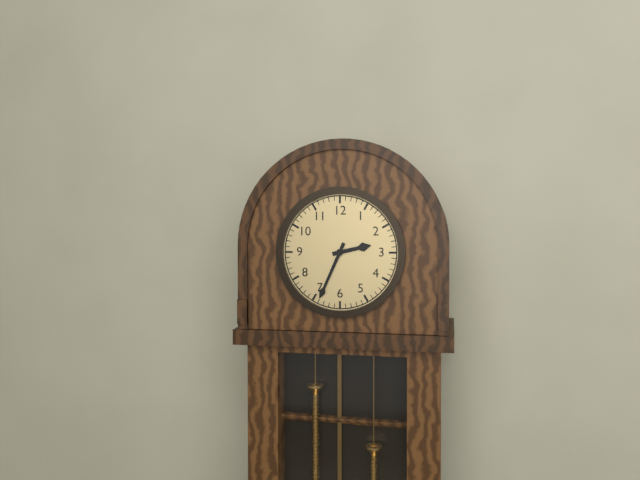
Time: **2:34**
